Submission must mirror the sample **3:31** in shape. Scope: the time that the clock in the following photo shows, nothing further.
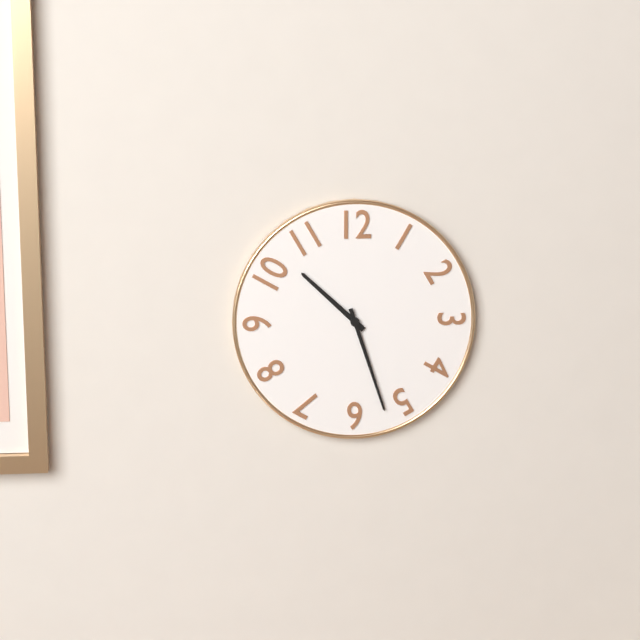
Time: **10:27**
